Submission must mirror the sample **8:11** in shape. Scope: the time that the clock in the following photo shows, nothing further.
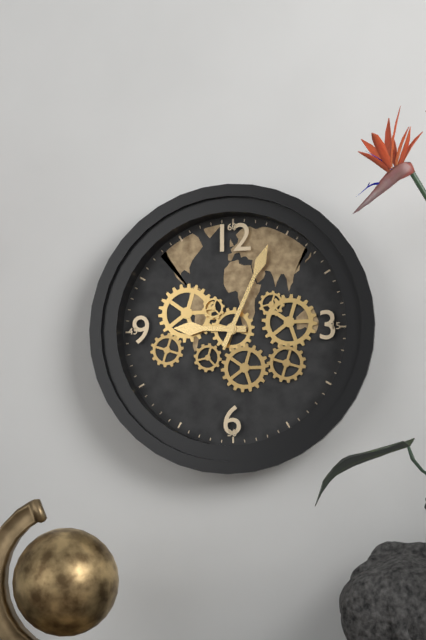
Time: **9:04**
